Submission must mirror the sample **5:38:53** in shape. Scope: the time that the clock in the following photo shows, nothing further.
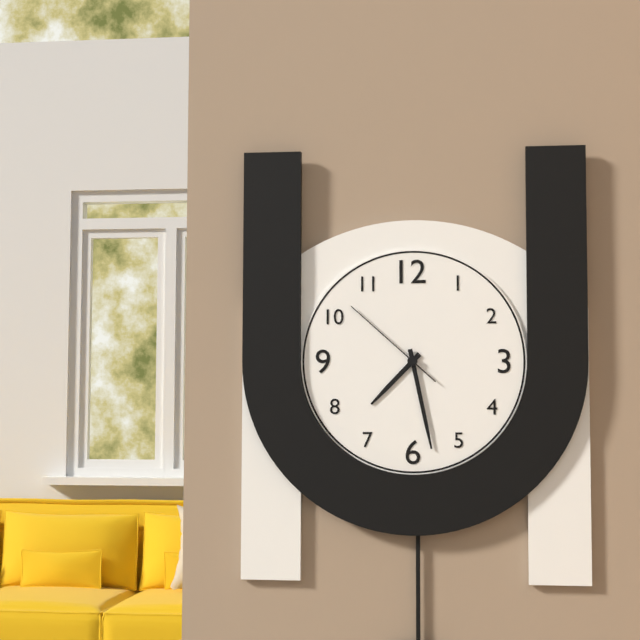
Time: **7:28:52**
